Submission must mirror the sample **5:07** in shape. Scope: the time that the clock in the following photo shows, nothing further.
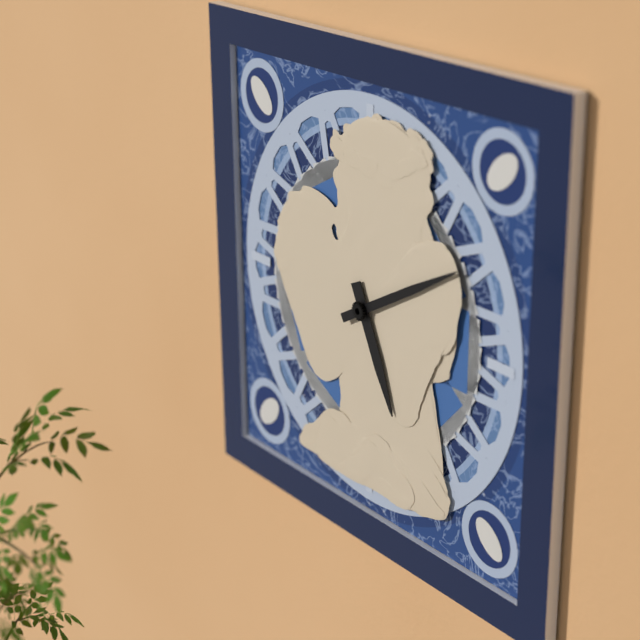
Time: **5:10**
